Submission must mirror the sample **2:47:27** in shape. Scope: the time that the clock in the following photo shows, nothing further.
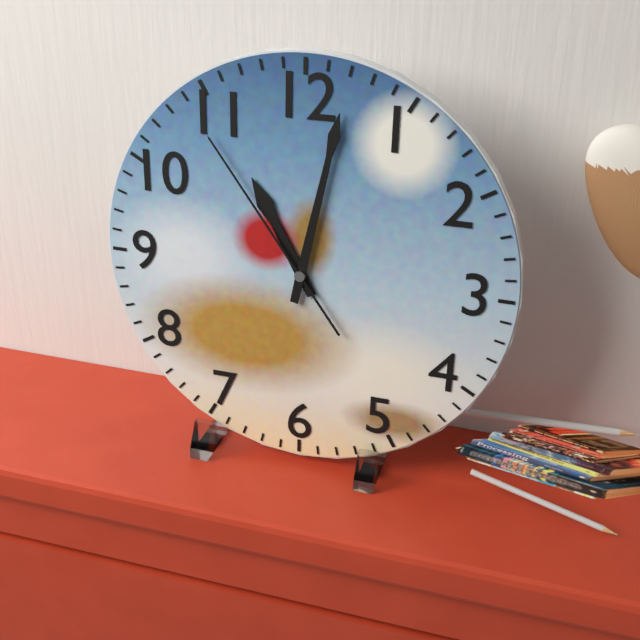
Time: **11:02:54**
